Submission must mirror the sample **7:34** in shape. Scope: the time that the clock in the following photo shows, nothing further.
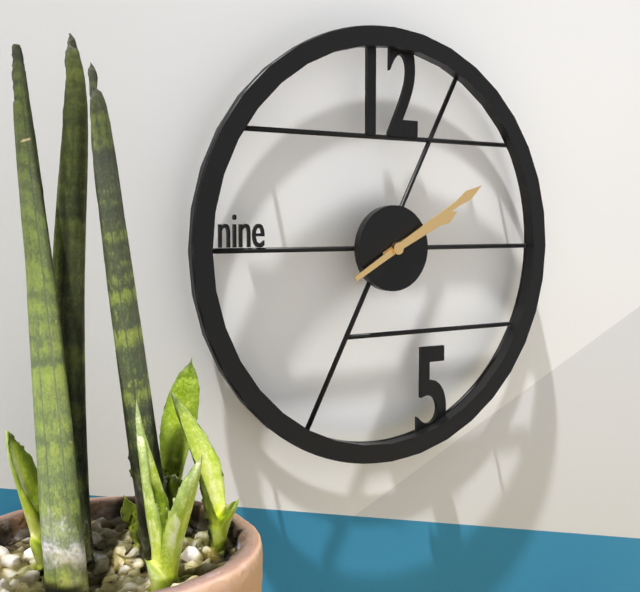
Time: **2:10**
